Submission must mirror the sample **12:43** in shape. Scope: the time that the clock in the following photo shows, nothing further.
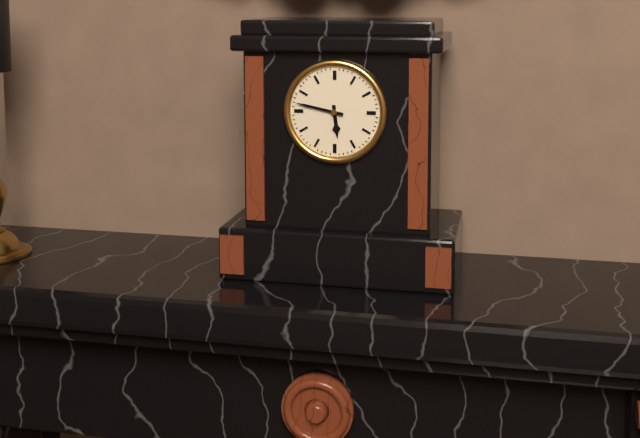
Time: **5:47**
